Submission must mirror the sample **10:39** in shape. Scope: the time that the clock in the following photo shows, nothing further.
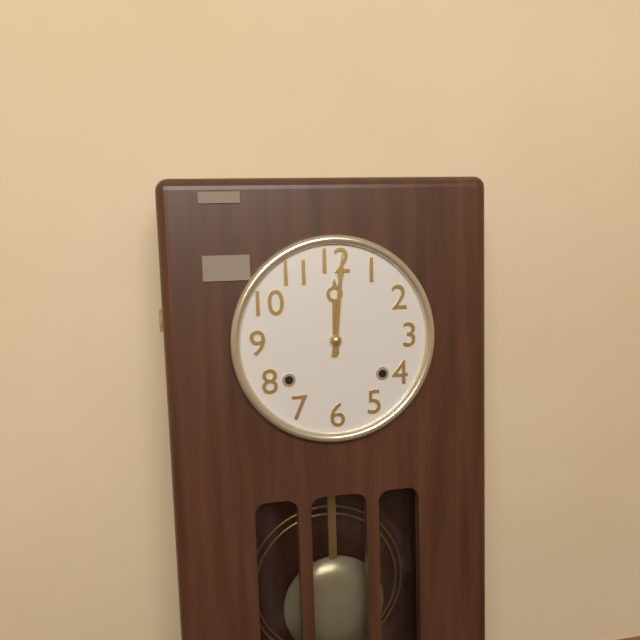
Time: **12:01**
